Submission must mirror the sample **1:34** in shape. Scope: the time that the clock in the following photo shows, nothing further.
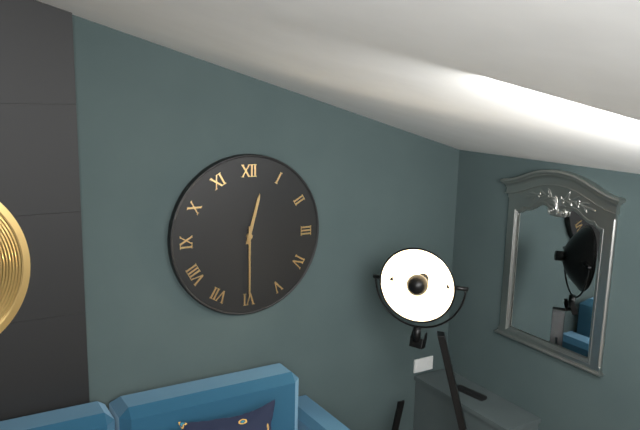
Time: **12:30**
